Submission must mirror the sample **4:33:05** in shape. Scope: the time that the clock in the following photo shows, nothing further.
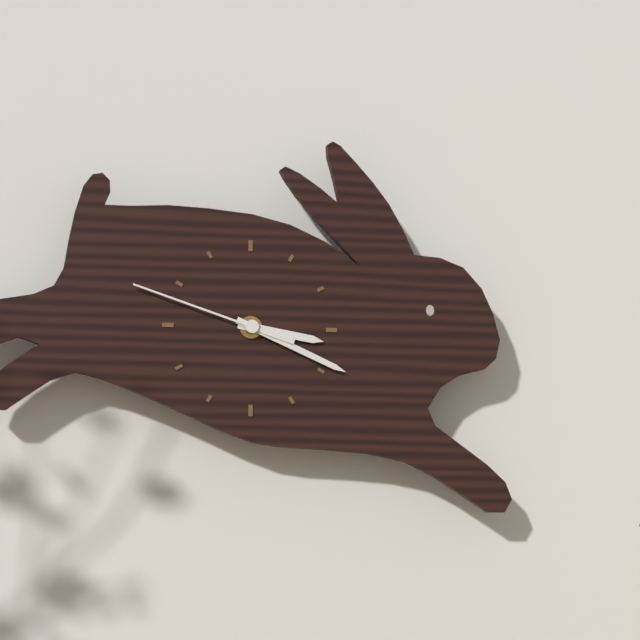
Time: **3:19:48**
